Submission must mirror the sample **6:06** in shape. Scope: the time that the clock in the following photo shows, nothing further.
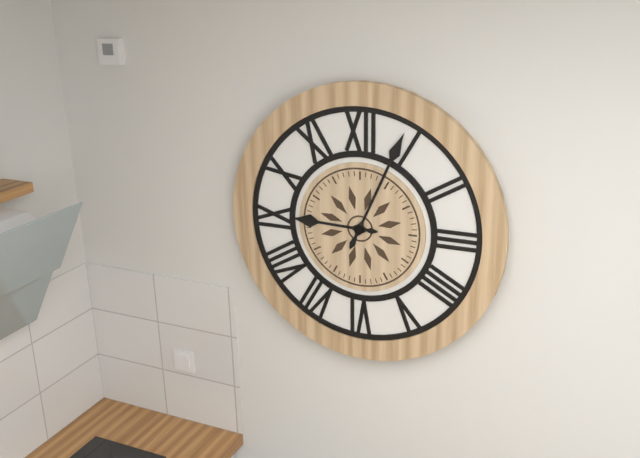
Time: **9:04**
